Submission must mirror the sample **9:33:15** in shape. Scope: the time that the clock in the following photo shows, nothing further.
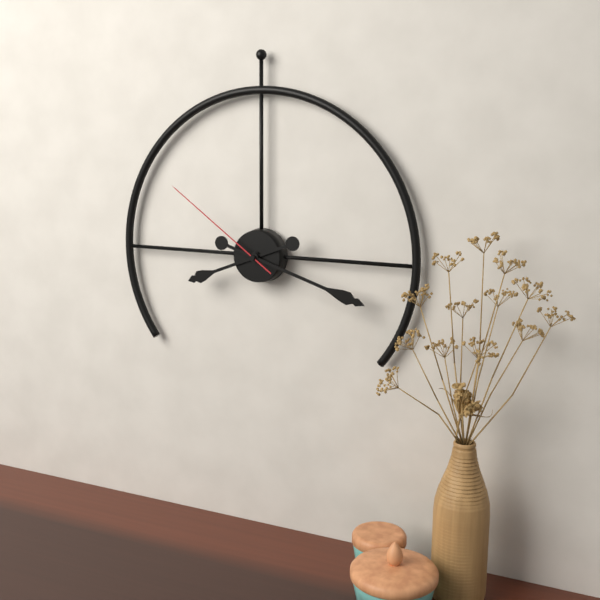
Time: **8:18:51**
